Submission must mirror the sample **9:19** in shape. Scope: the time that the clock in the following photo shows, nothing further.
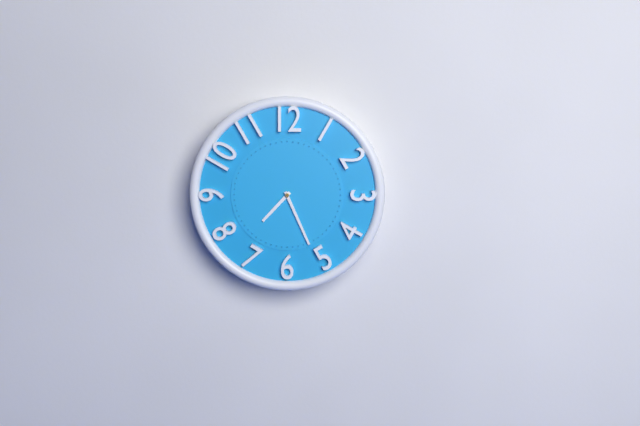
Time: **7:26**
